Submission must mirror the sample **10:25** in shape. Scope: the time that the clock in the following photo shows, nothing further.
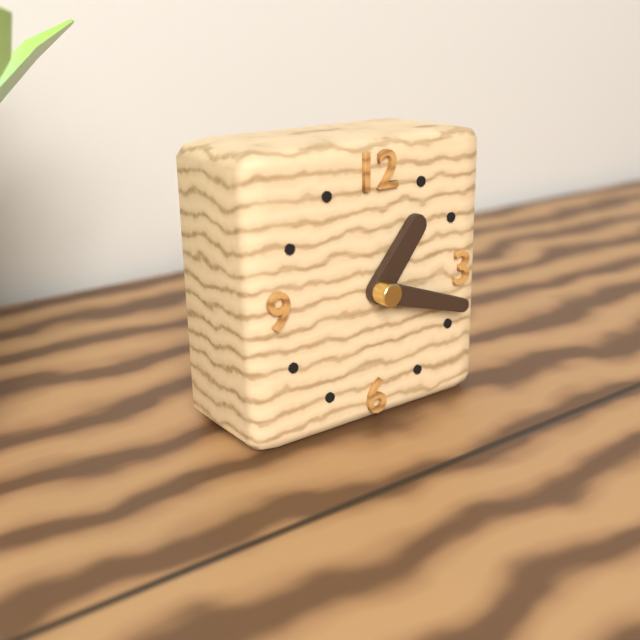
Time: **1:18**
